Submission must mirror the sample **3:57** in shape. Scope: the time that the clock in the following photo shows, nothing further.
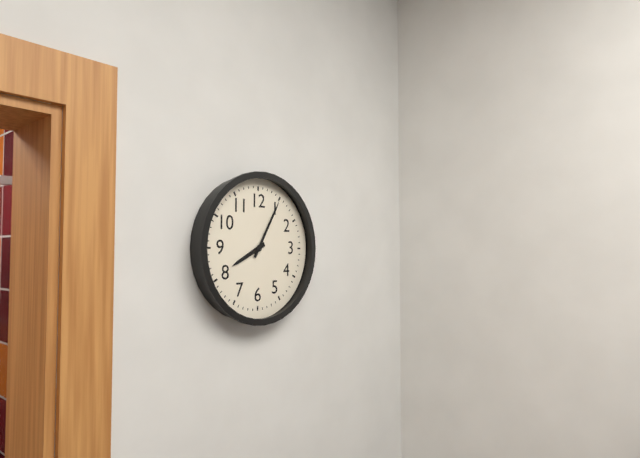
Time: **8:05**
